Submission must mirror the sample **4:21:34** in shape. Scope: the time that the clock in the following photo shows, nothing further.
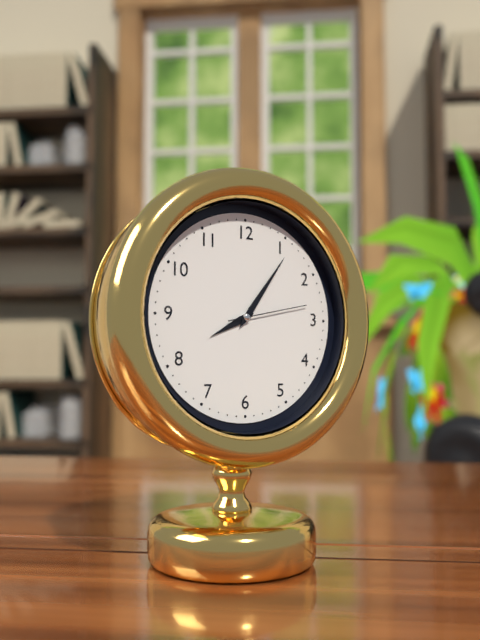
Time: **8:06:13**
